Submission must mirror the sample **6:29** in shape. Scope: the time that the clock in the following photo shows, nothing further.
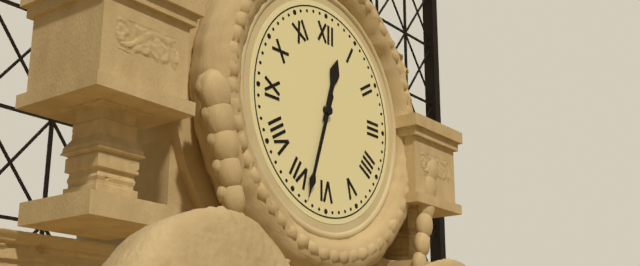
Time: **12:33**
